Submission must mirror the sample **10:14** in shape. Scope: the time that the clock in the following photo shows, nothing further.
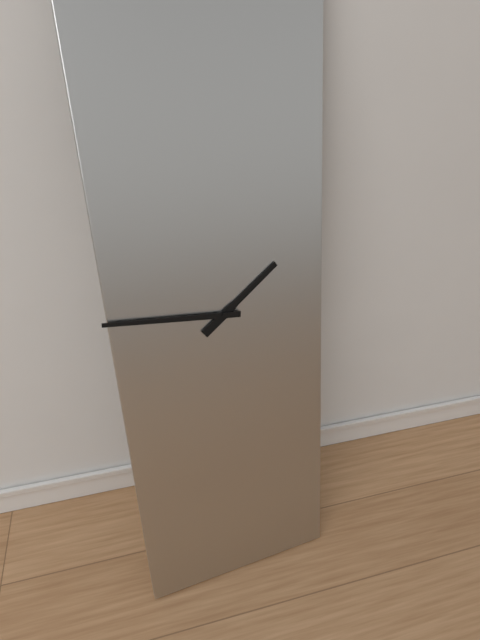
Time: **1:46**
